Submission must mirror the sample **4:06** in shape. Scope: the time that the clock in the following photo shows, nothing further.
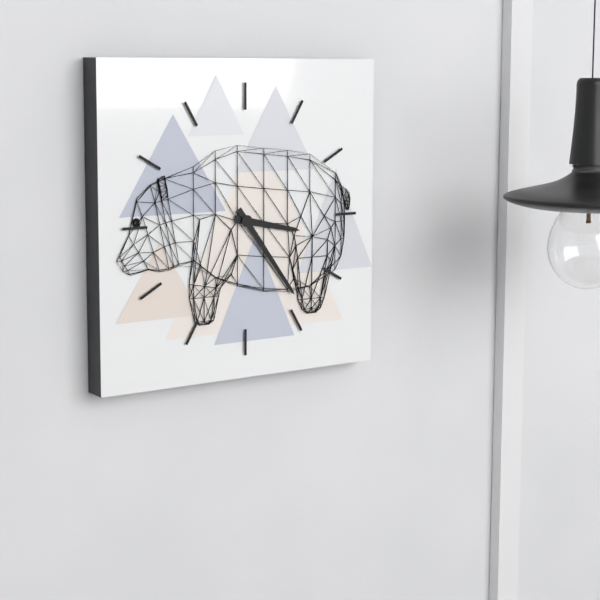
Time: **3:24**
